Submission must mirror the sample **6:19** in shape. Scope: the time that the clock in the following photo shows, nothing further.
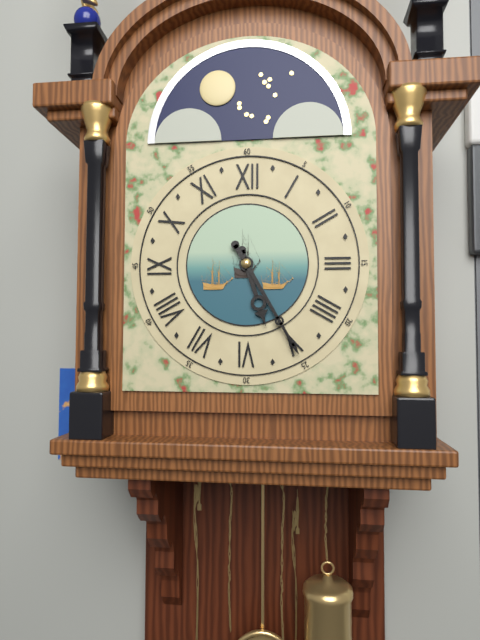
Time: **5:25**
